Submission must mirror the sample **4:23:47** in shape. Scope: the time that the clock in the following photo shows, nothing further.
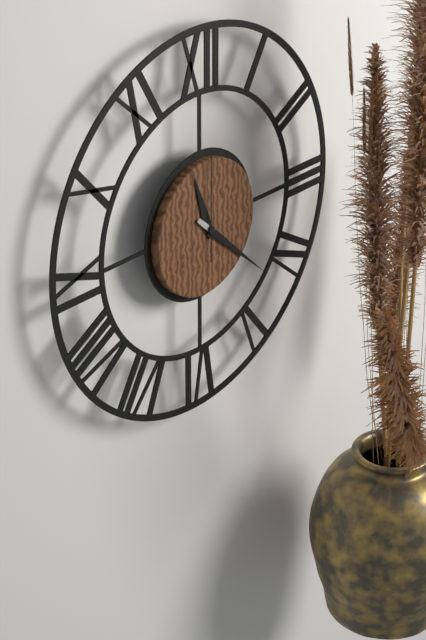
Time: **11:22:00**
